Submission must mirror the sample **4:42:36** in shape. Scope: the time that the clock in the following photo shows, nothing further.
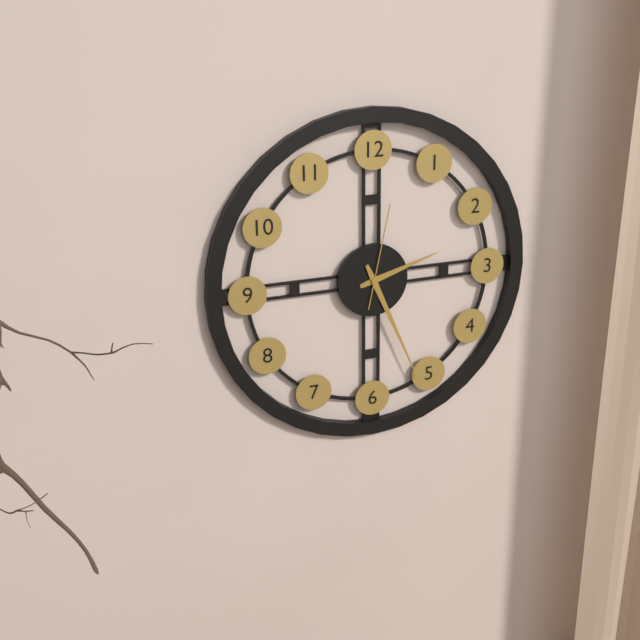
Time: **2:26:02**
